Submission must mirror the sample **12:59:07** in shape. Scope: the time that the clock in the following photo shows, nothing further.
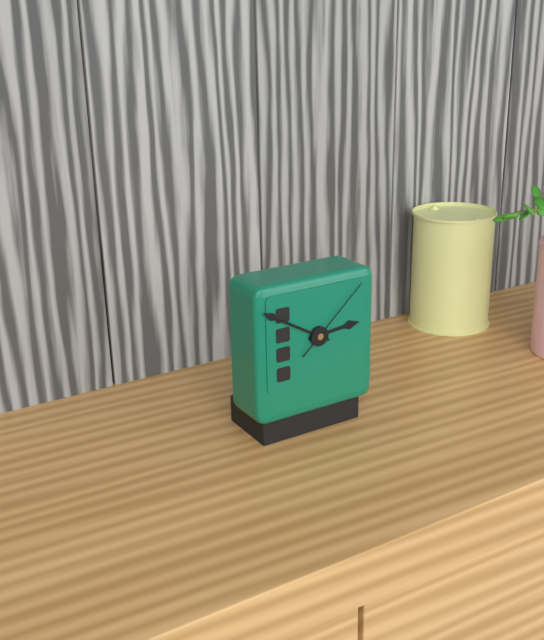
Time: **2:50:08**
